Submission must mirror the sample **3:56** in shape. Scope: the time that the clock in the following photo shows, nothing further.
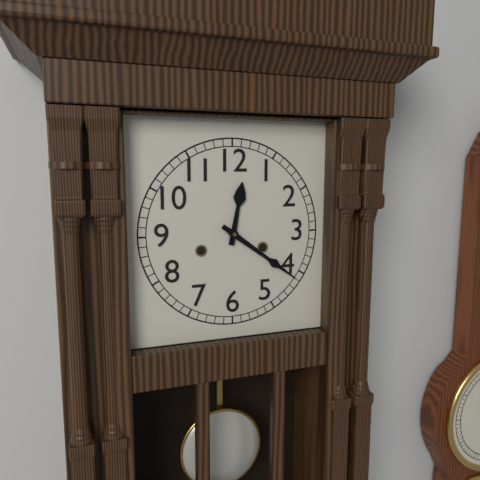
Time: **12:21**
